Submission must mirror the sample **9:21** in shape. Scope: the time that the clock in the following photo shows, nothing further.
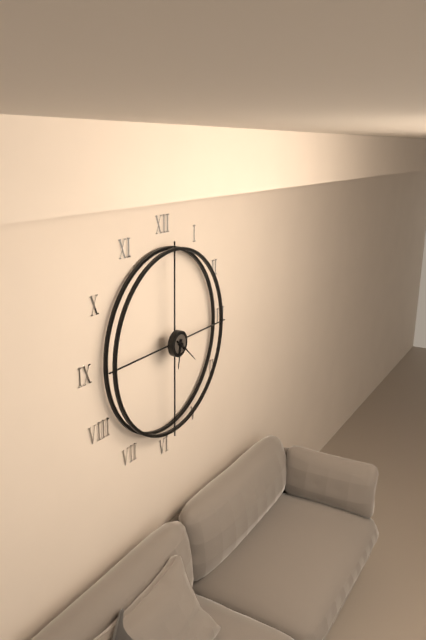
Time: **6:22**
